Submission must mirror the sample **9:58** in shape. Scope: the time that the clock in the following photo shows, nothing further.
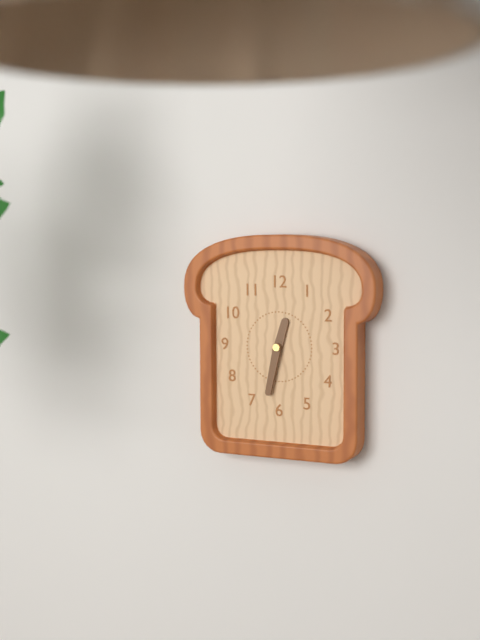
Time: **12:32**
